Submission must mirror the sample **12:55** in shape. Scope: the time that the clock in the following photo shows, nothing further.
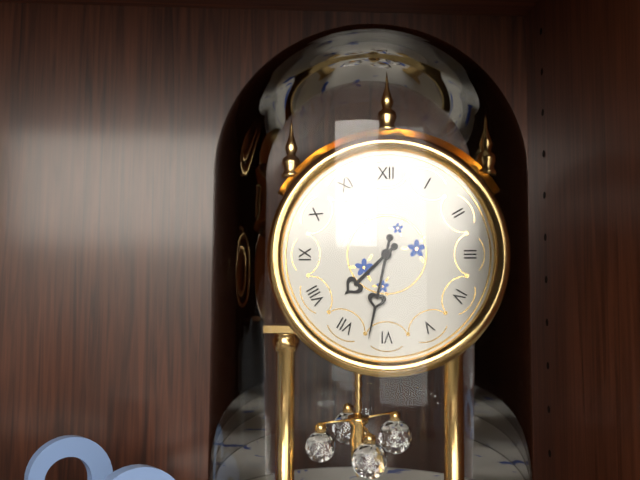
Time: **7:32**
